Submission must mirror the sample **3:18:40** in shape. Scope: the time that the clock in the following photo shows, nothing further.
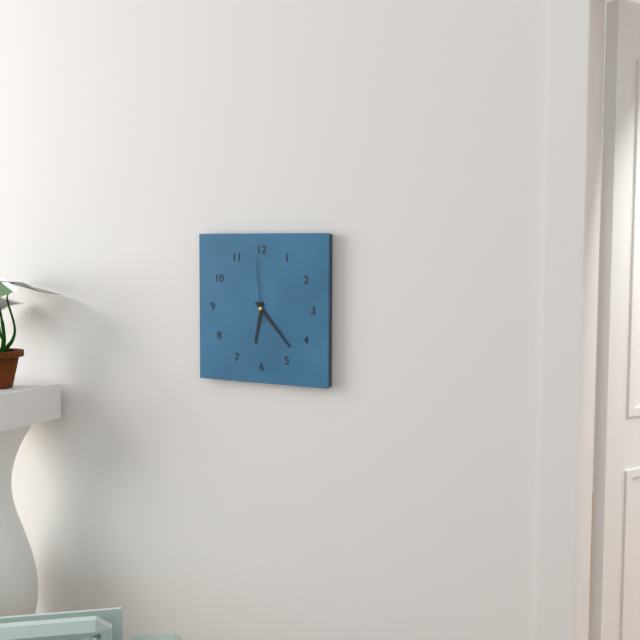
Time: **6:23:59**
